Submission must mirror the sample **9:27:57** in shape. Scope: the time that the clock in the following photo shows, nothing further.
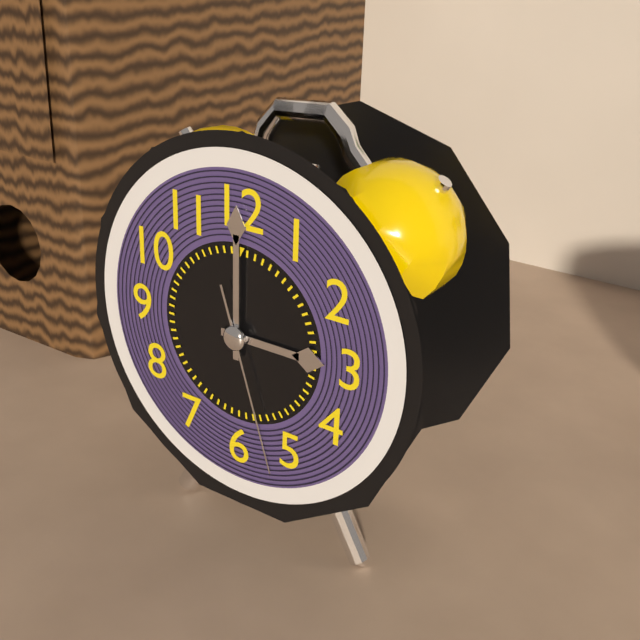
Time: **3:00:27**
